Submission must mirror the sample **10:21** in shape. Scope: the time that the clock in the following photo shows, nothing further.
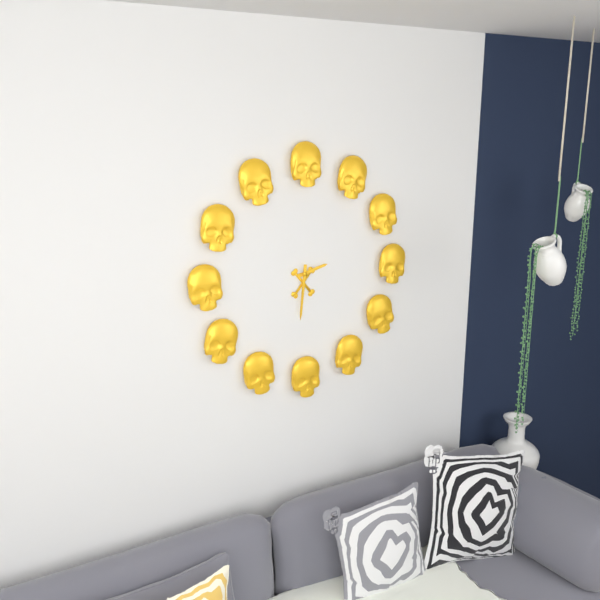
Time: **2:31**
